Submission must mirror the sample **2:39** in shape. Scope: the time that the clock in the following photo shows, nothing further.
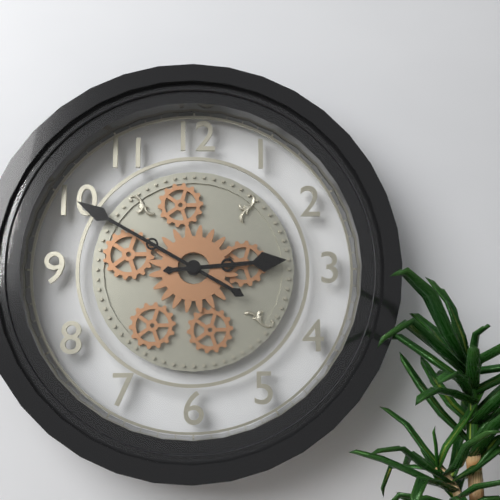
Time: **2:50**
